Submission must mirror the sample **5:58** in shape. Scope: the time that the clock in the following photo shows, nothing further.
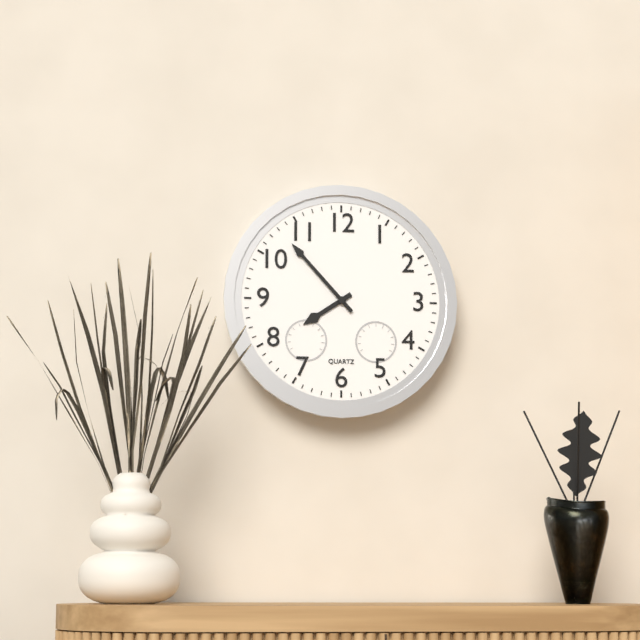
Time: **7:53**
